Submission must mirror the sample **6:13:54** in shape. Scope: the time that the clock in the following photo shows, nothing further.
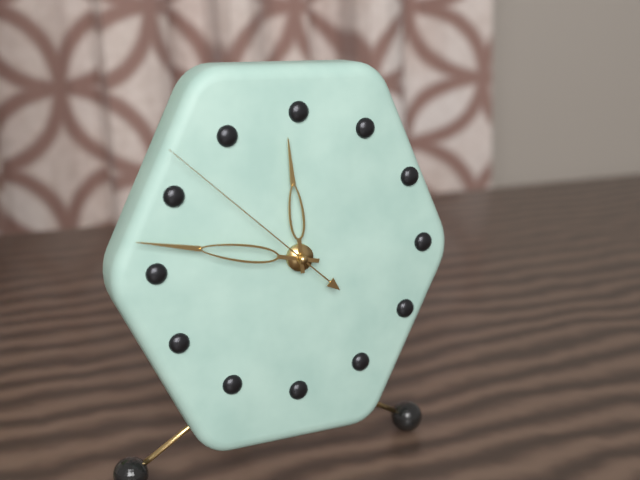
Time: **11:47:52**
